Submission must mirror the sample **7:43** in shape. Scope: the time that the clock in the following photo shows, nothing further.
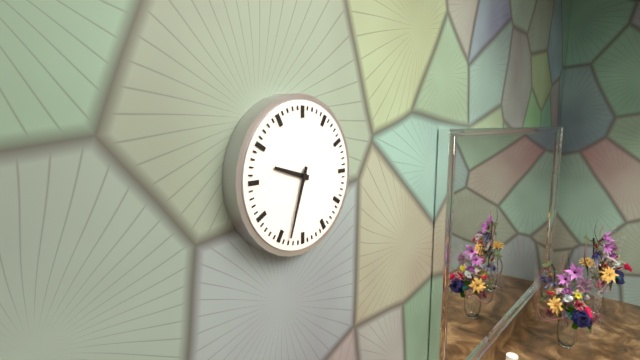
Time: **9:33**
